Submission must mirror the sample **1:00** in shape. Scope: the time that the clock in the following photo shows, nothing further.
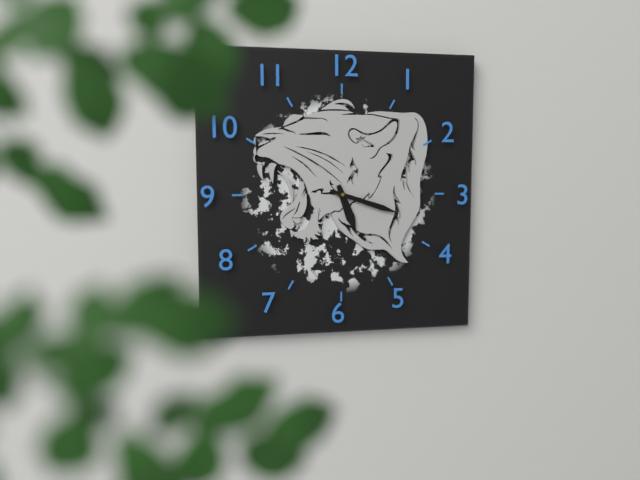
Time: **5:18**
